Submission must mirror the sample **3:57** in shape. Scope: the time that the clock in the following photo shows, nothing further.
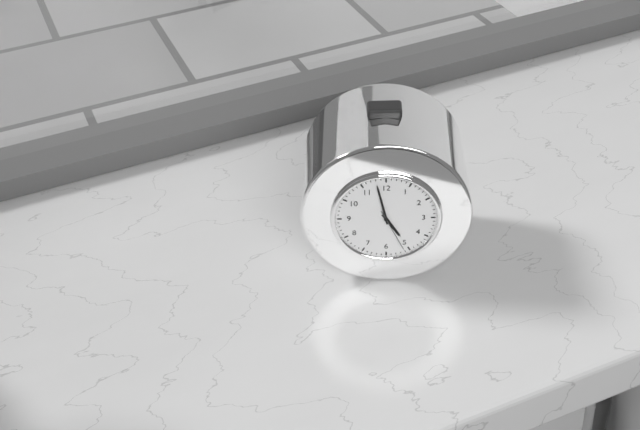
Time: **4:58**
